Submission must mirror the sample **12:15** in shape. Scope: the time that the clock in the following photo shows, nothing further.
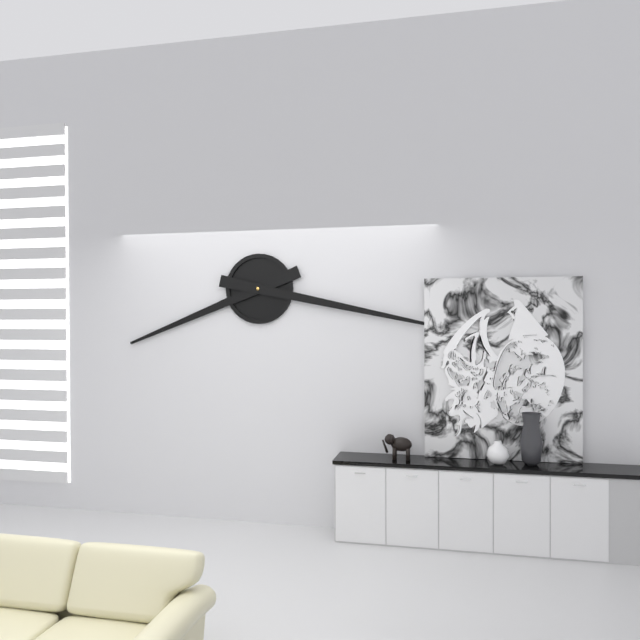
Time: **8:17**
